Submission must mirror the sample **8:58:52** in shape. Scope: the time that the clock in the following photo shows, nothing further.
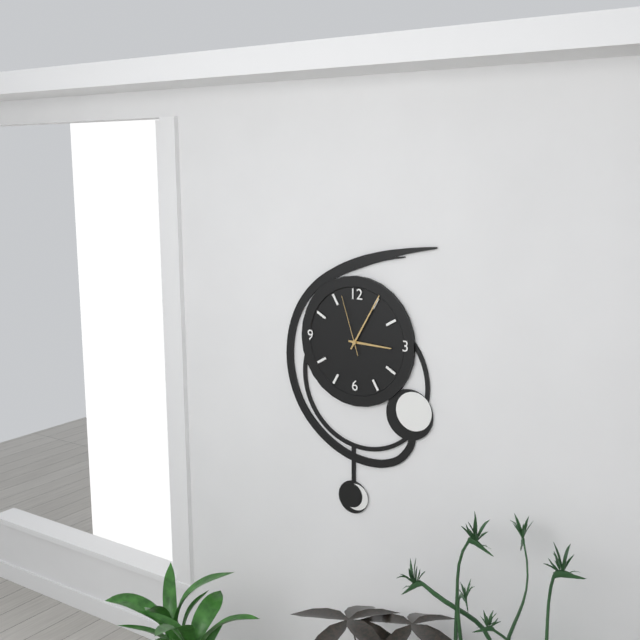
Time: **3:05:57**
